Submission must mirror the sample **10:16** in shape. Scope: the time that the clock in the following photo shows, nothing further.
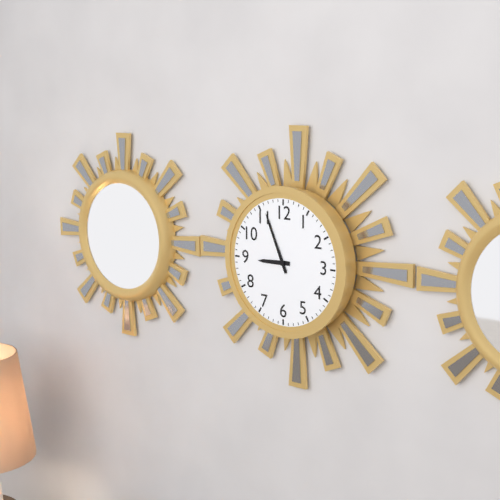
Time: **8:56**
